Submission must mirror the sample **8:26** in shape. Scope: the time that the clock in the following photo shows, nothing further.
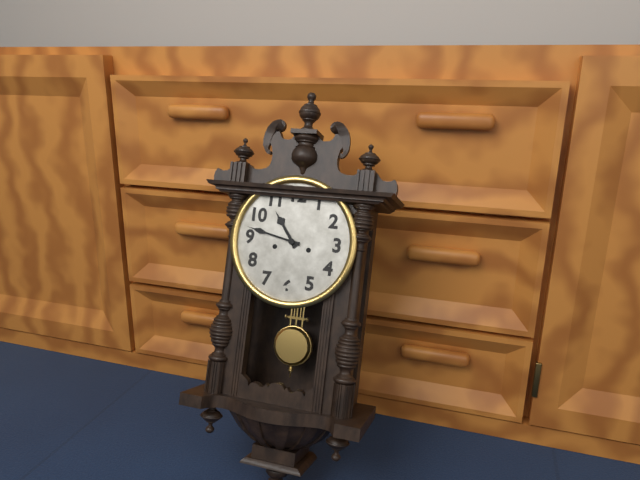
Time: **10:47**
